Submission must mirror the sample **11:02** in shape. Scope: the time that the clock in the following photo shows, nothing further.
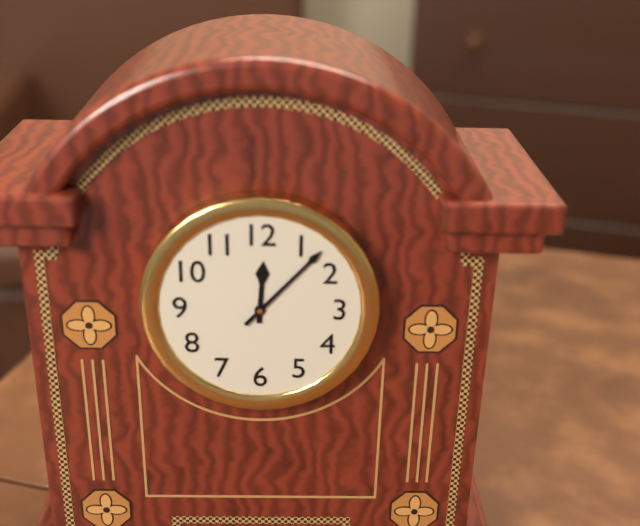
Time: **12:07**
